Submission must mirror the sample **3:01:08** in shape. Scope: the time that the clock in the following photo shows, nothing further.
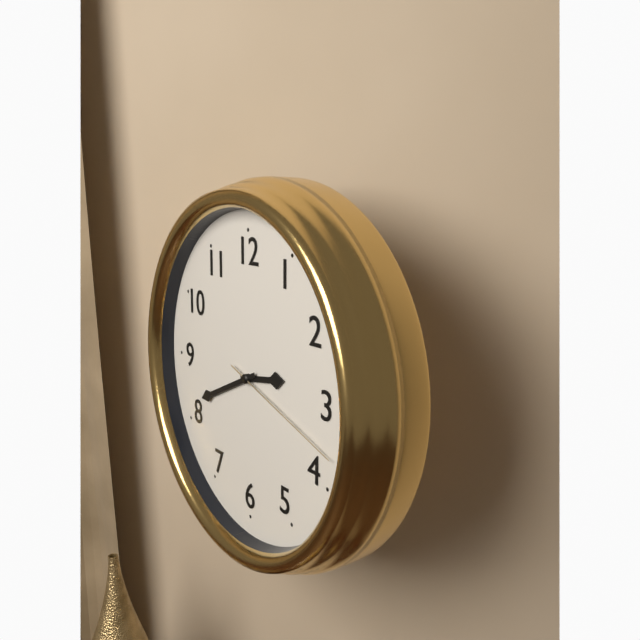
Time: **2:41:18**
